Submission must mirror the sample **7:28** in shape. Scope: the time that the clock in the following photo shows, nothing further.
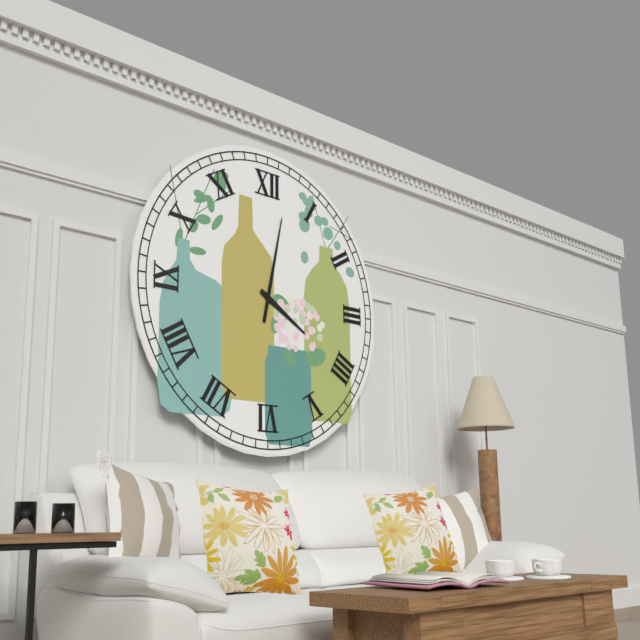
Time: **4:02**
